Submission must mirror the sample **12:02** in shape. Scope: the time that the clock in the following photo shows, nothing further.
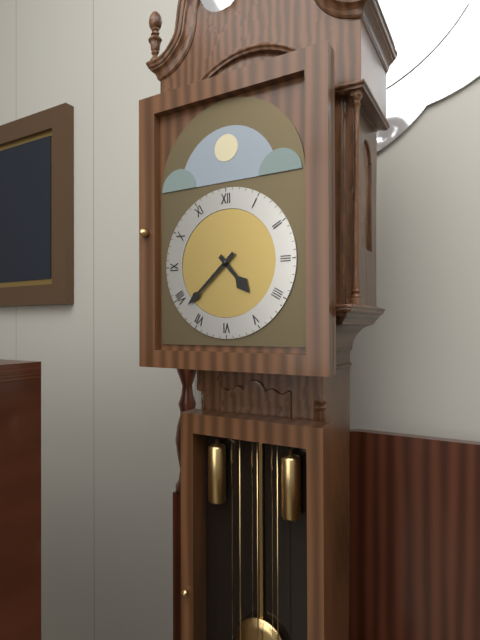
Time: **4:38**
